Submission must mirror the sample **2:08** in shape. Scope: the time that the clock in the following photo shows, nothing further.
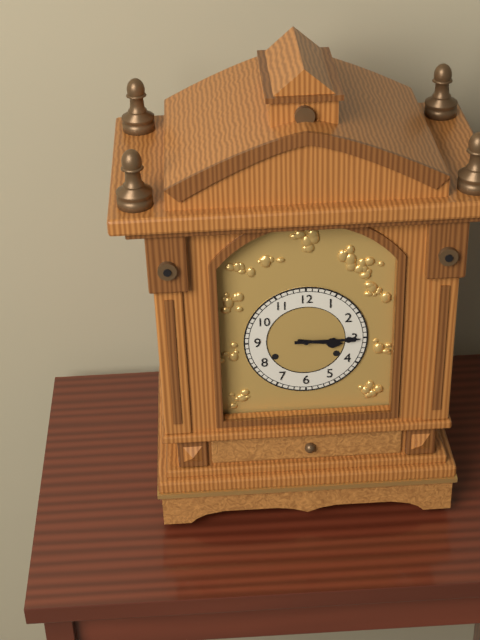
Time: **3:15**
